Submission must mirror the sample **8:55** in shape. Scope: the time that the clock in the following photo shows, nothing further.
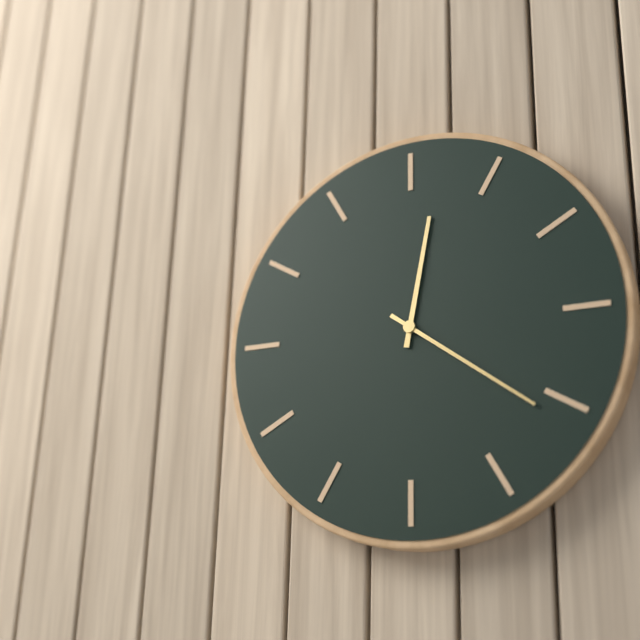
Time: **12:21**
